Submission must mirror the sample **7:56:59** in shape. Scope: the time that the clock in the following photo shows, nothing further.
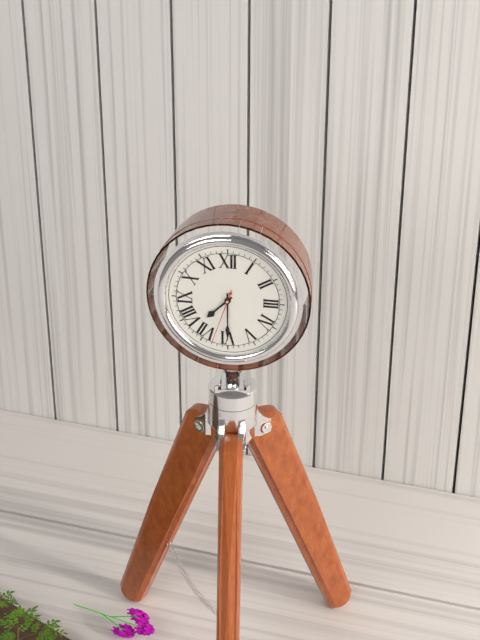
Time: **7:30:33**
